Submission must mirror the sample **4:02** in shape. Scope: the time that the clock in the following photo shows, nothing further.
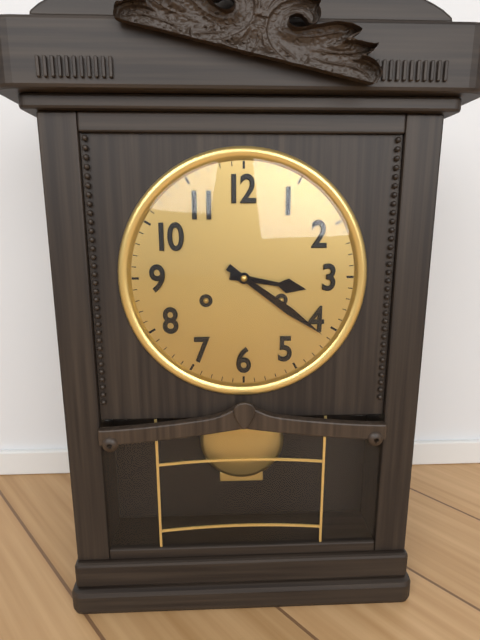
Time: **3:21**
